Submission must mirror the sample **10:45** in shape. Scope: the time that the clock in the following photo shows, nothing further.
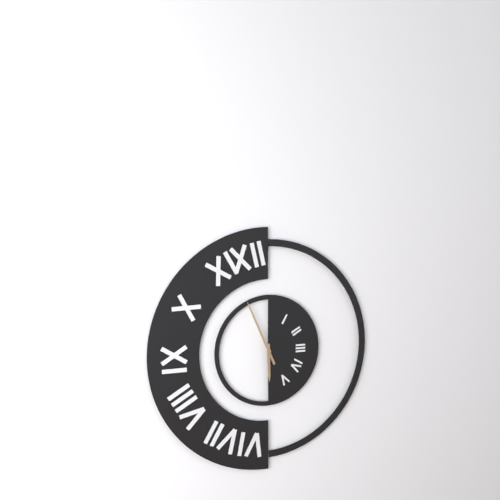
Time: **5:56**
